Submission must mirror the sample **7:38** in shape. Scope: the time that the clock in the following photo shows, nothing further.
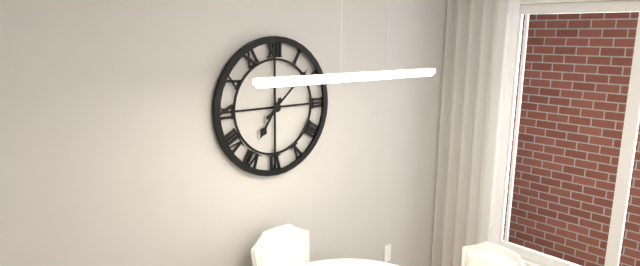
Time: **7:08**
